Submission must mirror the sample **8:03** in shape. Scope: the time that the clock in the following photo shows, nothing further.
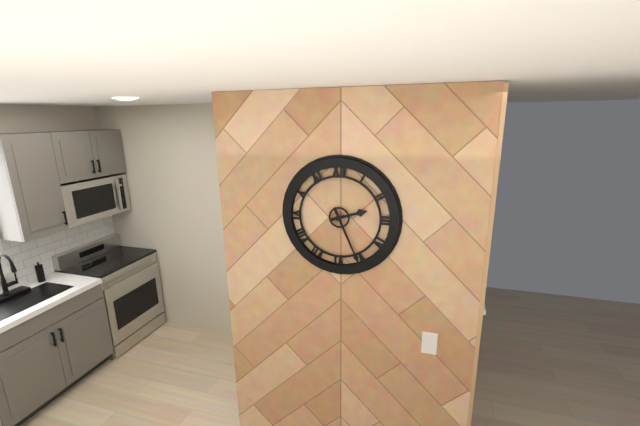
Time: **2:26**
